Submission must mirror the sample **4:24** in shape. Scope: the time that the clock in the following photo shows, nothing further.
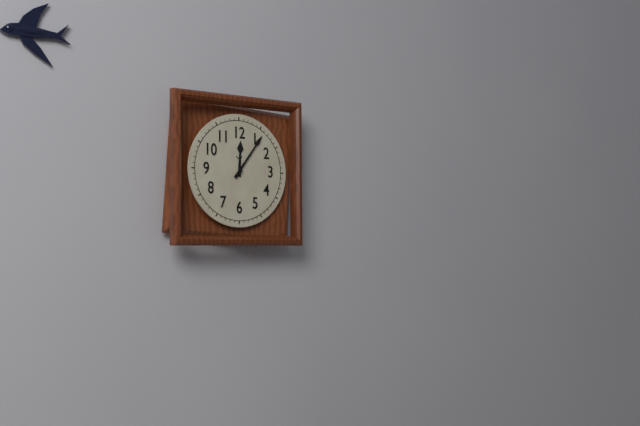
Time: **12:06**
